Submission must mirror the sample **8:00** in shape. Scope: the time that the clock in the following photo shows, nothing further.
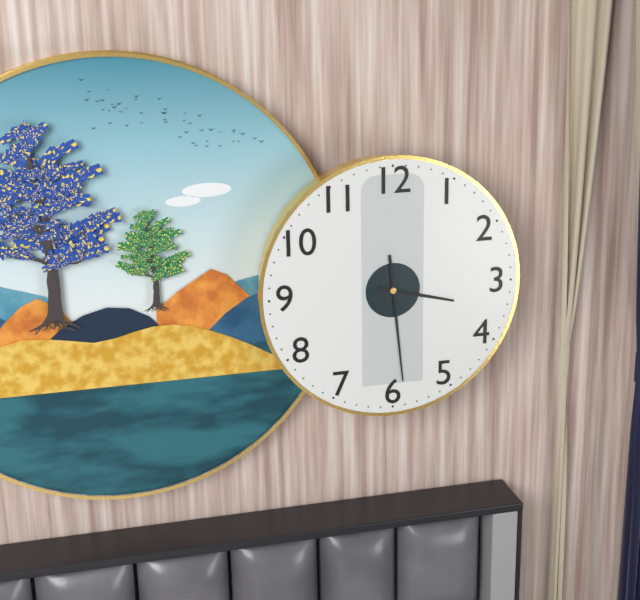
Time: **3:29**
